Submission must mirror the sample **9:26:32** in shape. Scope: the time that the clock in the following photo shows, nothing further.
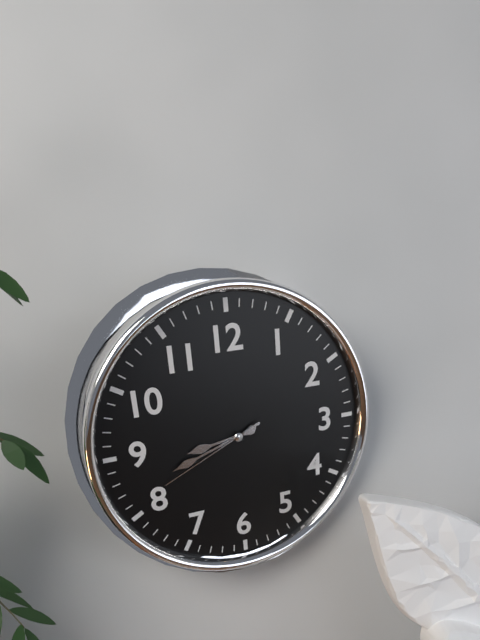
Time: **8:42:41**
